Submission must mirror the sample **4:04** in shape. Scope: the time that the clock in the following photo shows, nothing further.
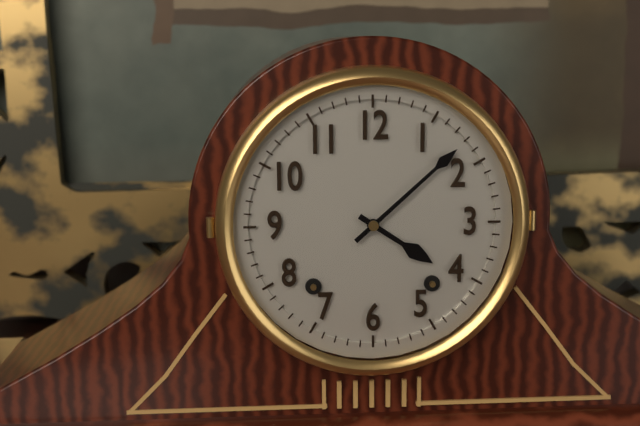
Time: **4:08**
